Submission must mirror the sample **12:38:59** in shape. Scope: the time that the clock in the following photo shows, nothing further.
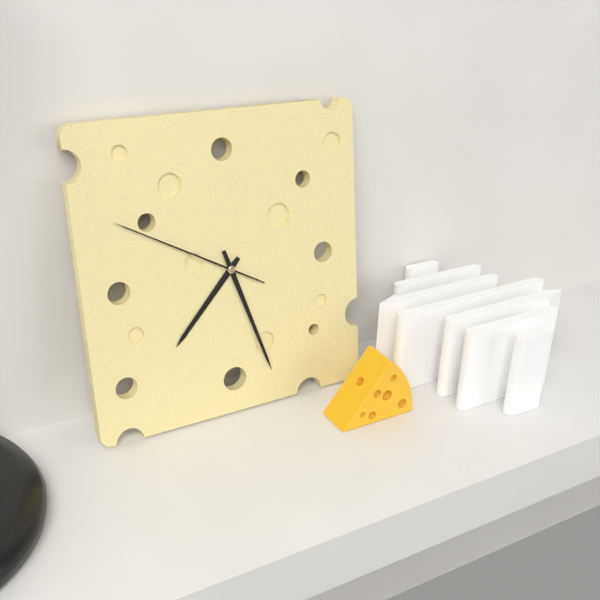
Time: **7:27:50**
